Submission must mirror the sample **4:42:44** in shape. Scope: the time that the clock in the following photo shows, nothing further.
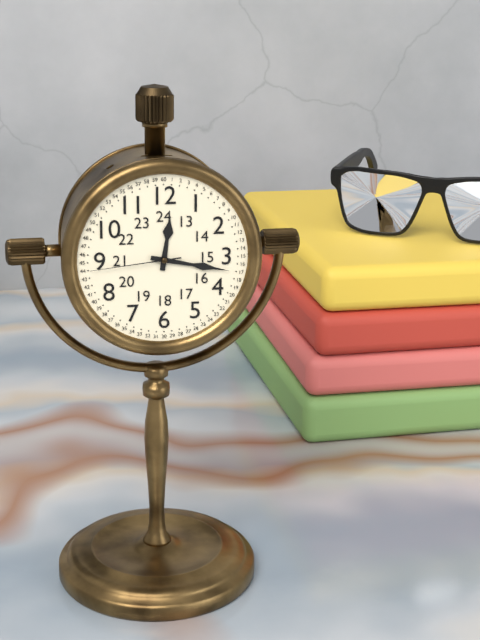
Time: **12:17:44**
